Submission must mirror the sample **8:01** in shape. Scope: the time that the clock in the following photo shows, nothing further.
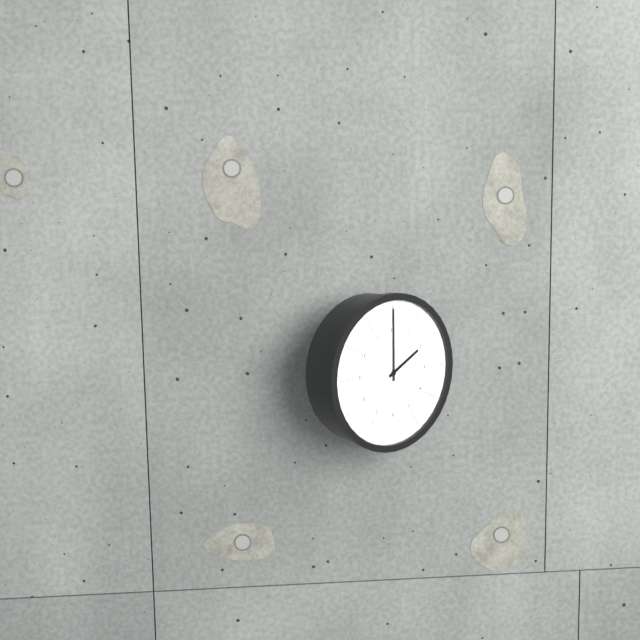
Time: **2:00**
